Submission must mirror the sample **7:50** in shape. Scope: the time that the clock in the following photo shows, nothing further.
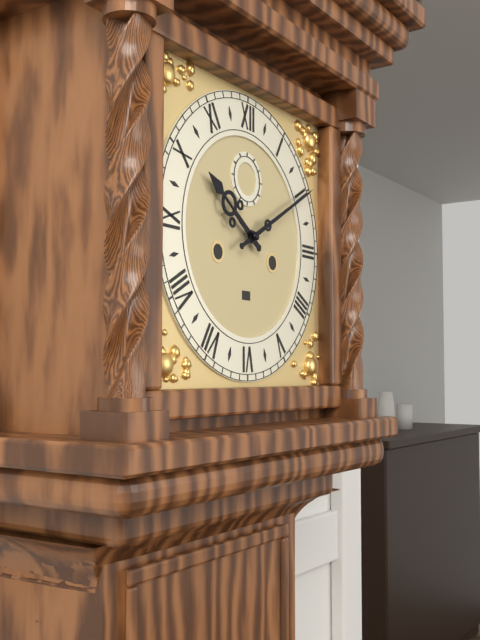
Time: **10:10**
